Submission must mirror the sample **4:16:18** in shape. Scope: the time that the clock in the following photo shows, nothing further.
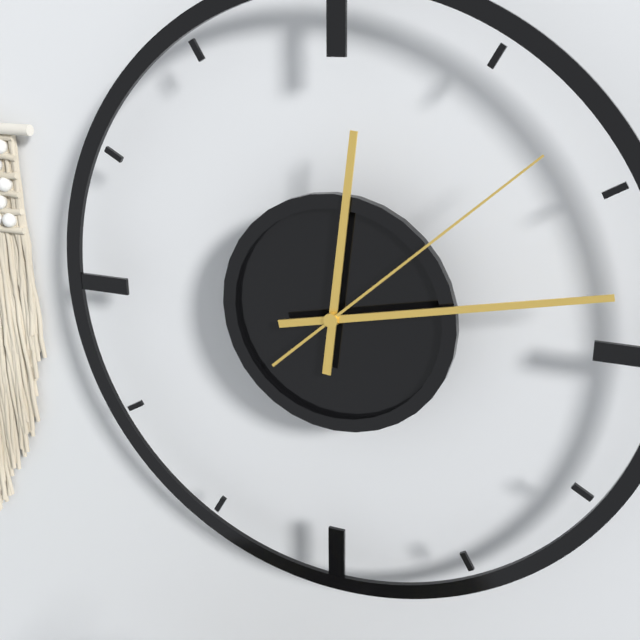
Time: **12:13:08**
